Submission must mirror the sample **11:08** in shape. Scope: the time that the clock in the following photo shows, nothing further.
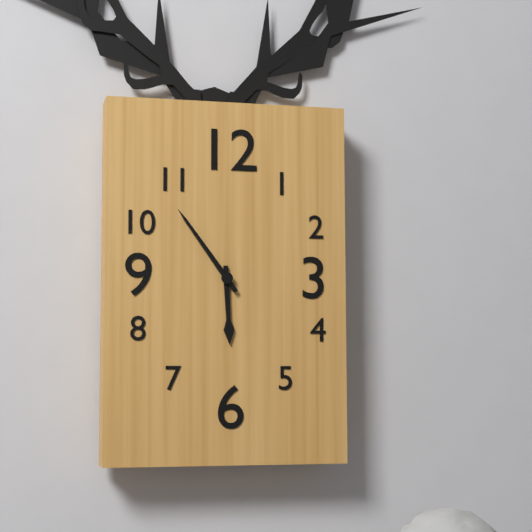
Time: **5:54**
